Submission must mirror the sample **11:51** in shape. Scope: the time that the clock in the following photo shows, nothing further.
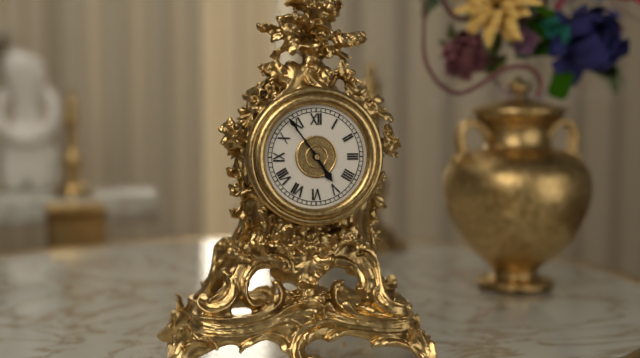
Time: **4:54**
